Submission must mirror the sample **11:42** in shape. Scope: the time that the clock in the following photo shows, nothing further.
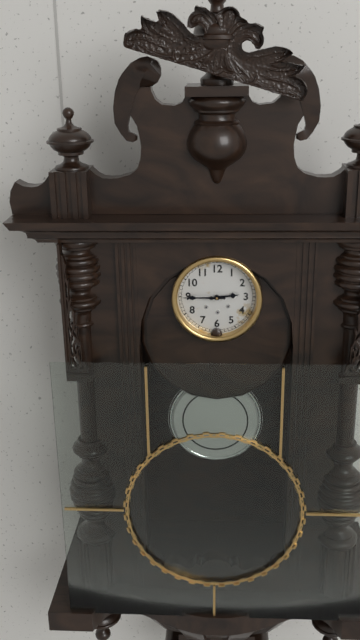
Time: **2:45**
